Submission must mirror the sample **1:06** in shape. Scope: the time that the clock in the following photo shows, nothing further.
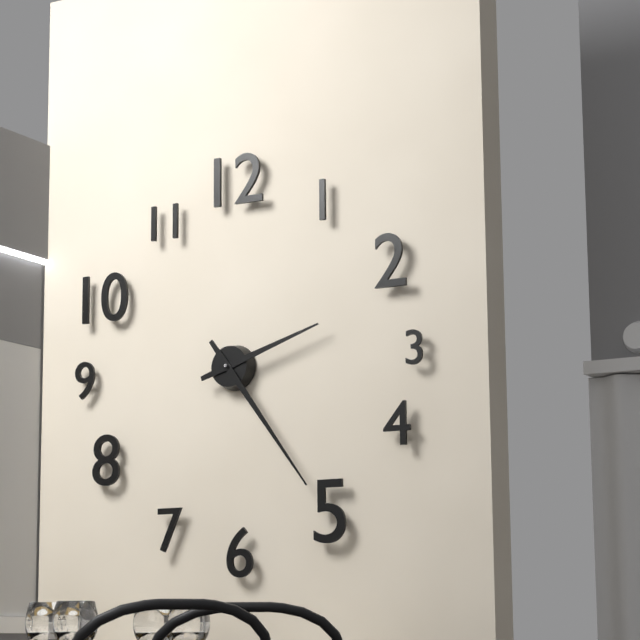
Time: **2:24**
